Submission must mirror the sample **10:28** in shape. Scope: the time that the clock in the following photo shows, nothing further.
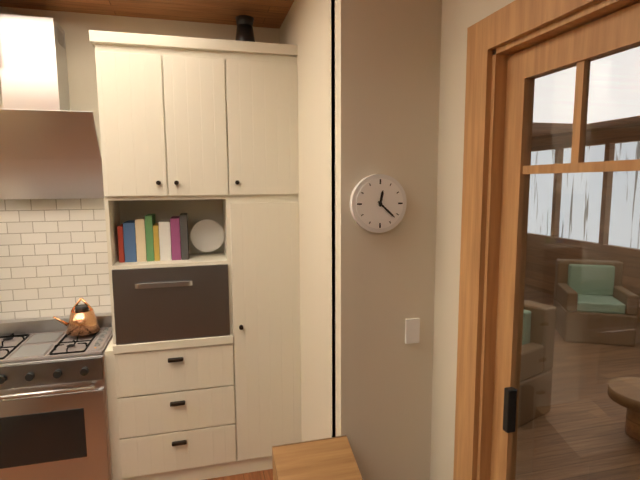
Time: **12:22**
